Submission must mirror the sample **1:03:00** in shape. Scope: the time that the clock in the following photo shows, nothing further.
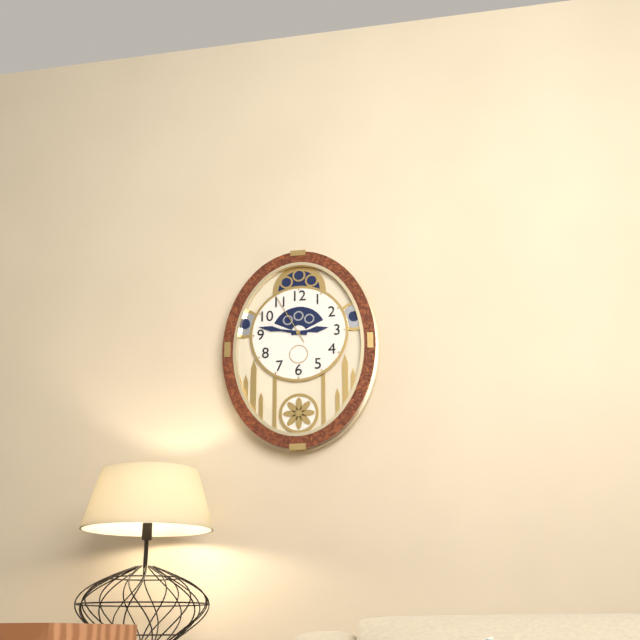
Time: **2:47:55**
